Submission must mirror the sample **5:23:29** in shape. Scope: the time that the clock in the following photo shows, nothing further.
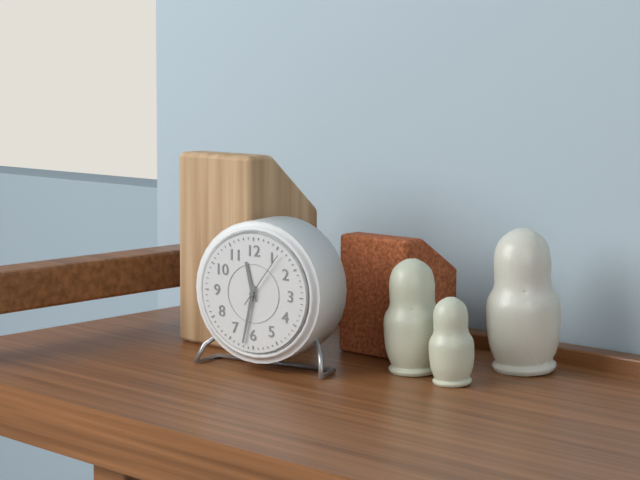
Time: **11:32:06**
